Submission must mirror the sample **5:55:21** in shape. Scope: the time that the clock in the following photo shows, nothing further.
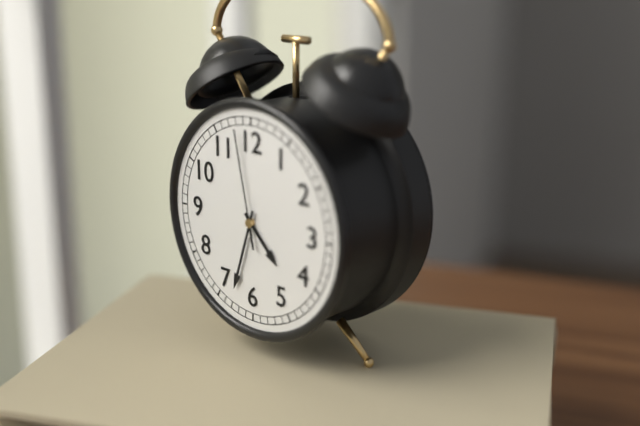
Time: **4:33:58**
